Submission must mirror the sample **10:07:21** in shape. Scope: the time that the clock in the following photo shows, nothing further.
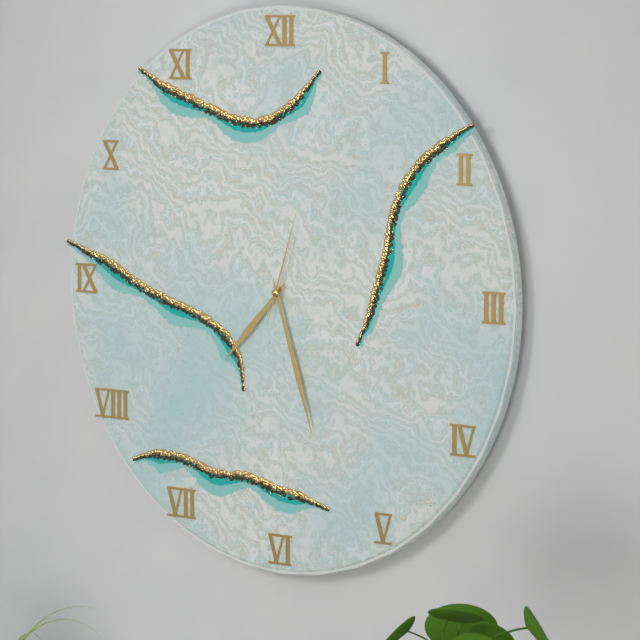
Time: **7:27:03**
